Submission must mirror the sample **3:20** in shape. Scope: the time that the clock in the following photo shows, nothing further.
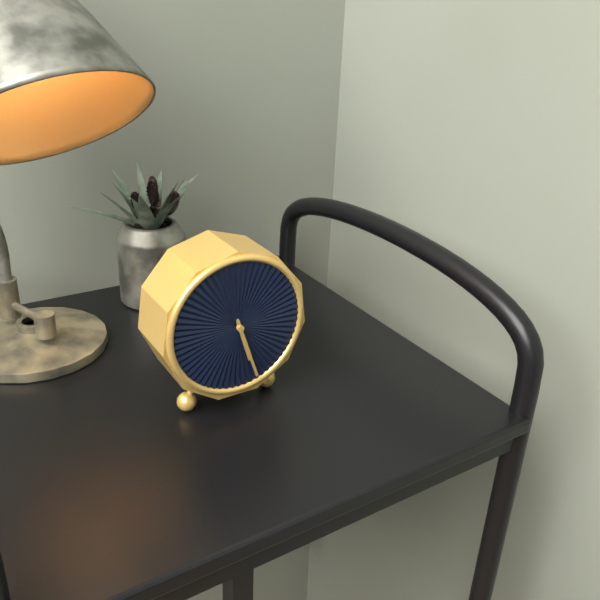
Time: **5:27**
